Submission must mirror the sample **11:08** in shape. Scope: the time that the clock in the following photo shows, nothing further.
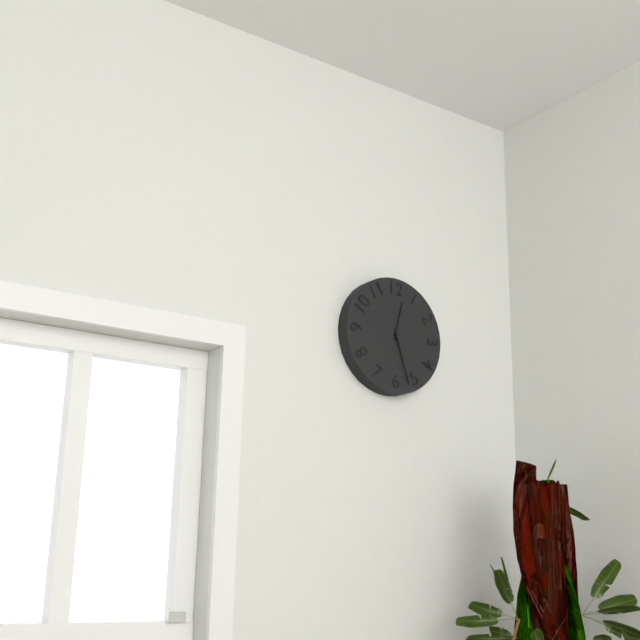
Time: **12:27**
